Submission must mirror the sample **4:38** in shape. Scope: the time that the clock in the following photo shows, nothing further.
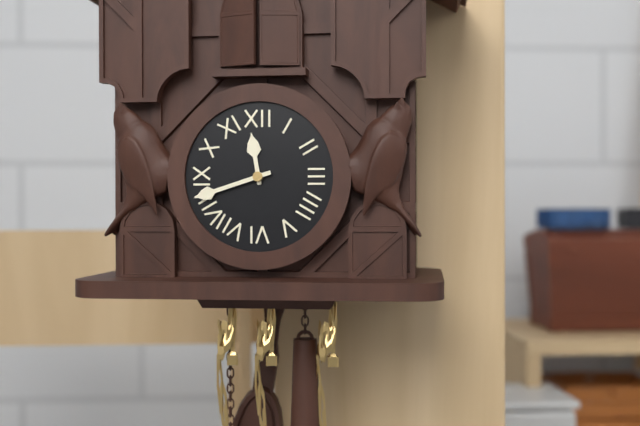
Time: **11:42**
